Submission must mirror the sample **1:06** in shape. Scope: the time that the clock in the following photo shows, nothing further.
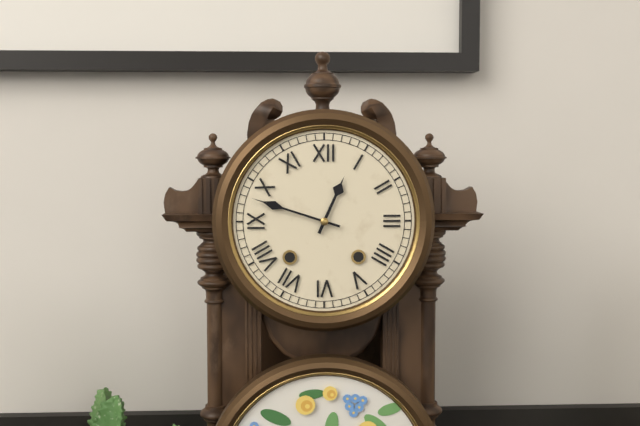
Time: **12:48**
